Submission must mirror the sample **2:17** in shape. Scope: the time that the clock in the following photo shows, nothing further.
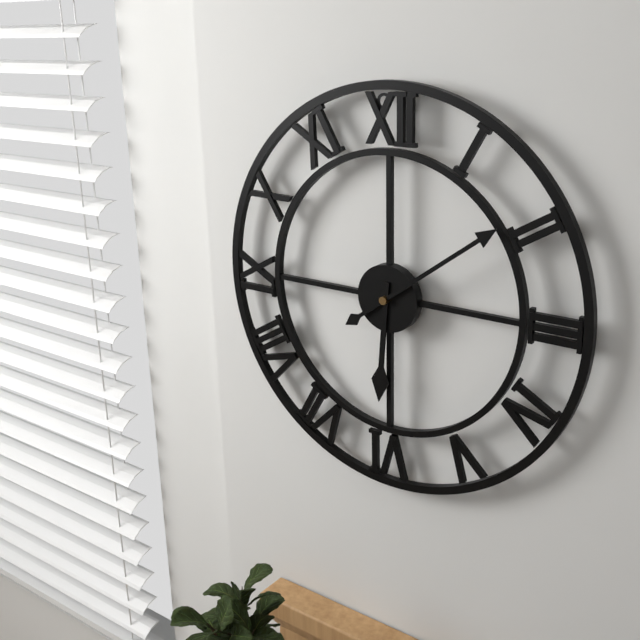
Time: **6:09**
